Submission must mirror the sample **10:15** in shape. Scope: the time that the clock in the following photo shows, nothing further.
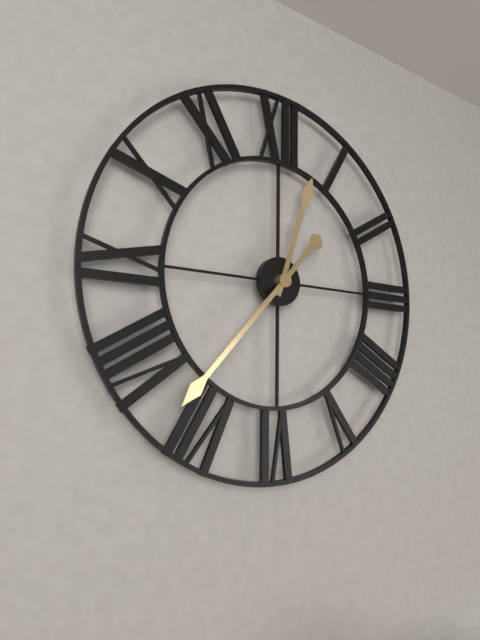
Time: **12:37**
